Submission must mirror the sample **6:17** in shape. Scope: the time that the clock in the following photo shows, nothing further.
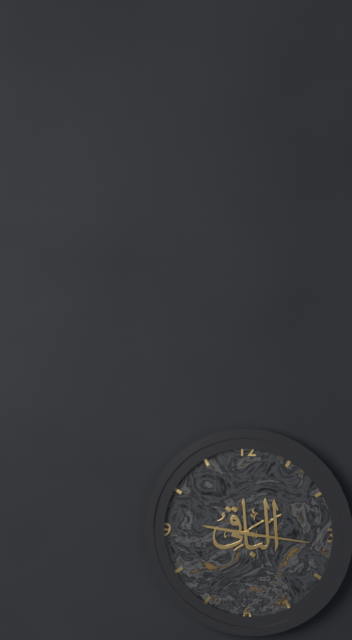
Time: **9:16**
